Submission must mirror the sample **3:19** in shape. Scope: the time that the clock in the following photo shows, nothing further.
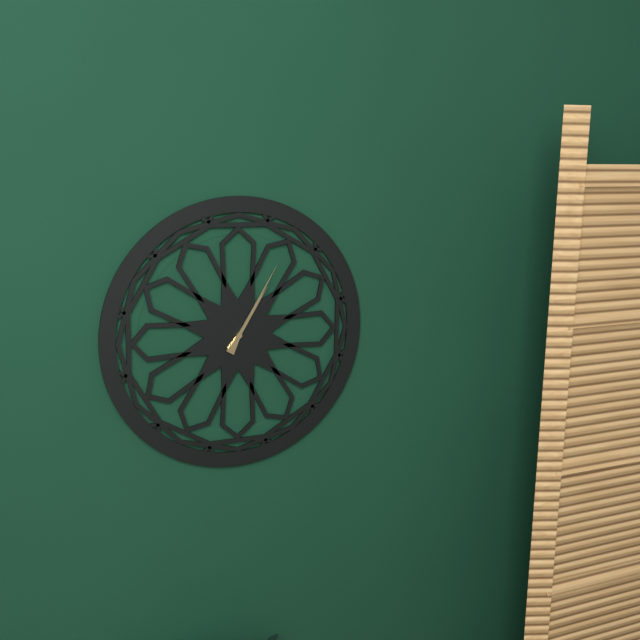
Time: **1:05**
